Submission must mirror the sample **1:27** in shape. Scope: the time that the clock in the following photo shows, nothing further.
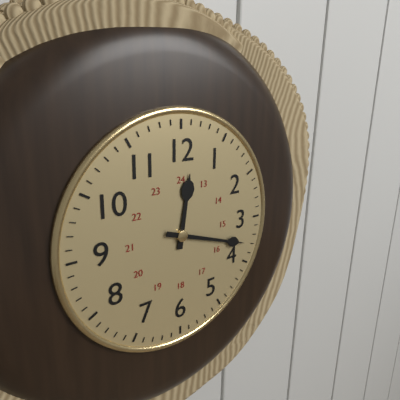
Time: **12:18**
